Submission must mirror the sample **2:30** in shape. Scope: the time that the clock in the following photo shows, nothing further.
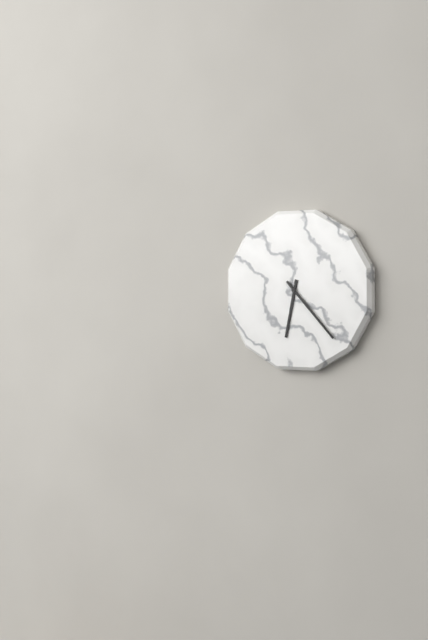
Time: **6:23**
